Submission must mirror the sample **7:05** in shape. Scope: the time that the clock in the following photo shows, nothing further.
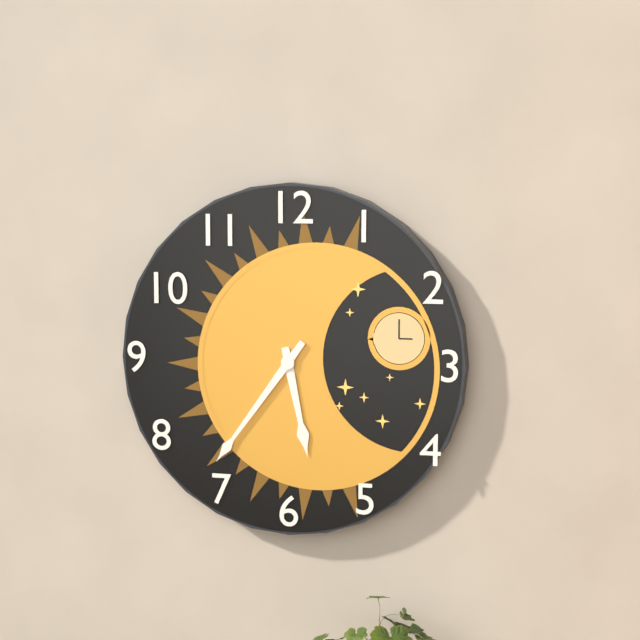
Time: **5:36**
